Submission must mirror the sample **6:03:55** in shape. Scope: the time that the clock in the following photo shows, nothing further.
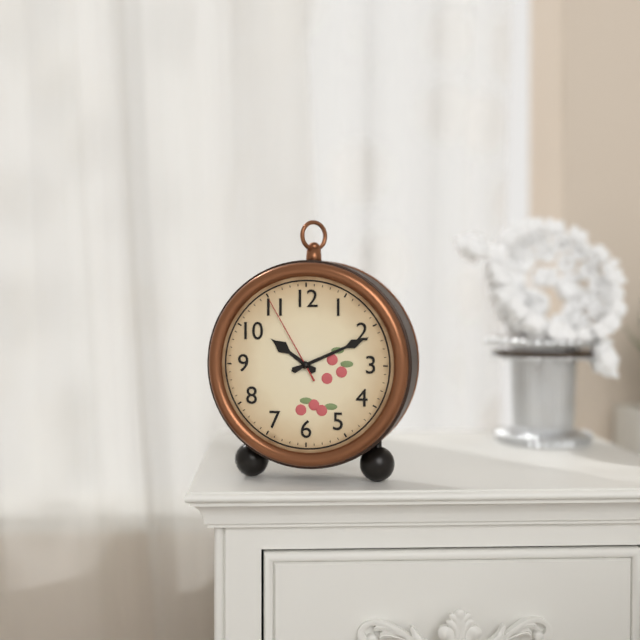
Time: **10:11:55**
